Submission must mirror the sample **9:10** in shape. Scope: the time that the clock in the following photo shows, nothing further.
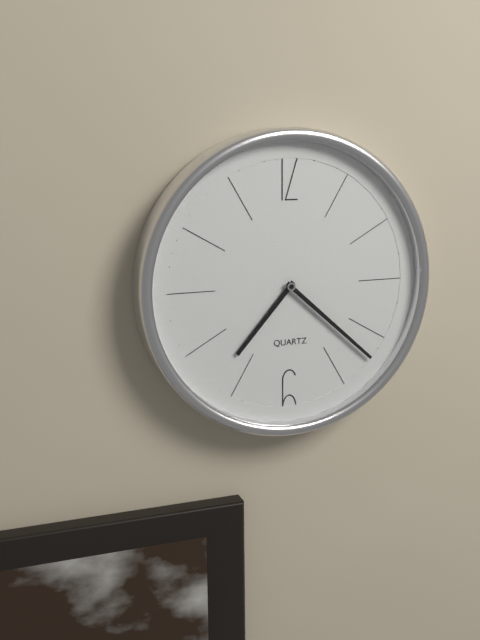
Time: **7:22**
